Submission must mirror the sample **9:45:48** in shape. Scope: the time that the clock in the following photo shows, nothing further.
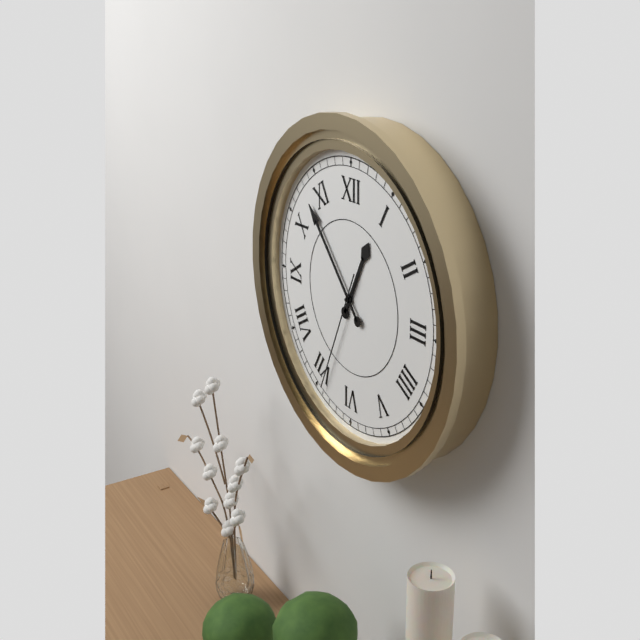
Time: **12:53:34**
